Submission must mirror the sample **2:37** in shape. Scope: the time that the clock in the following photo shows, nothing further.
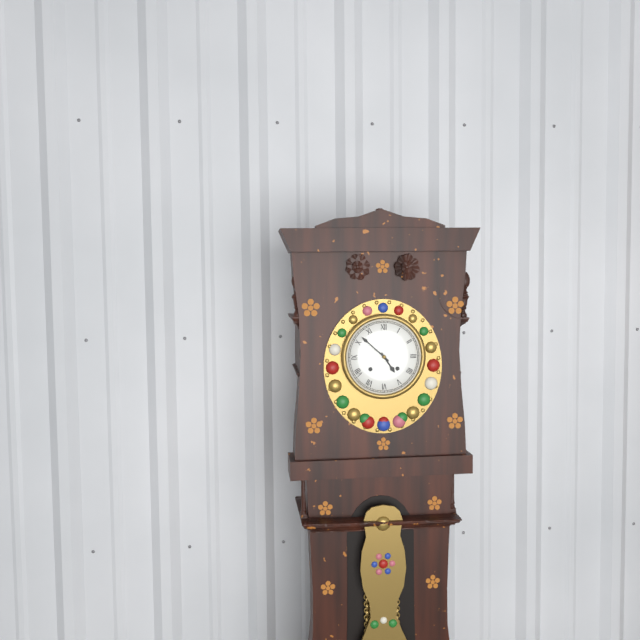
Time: **4:52**
